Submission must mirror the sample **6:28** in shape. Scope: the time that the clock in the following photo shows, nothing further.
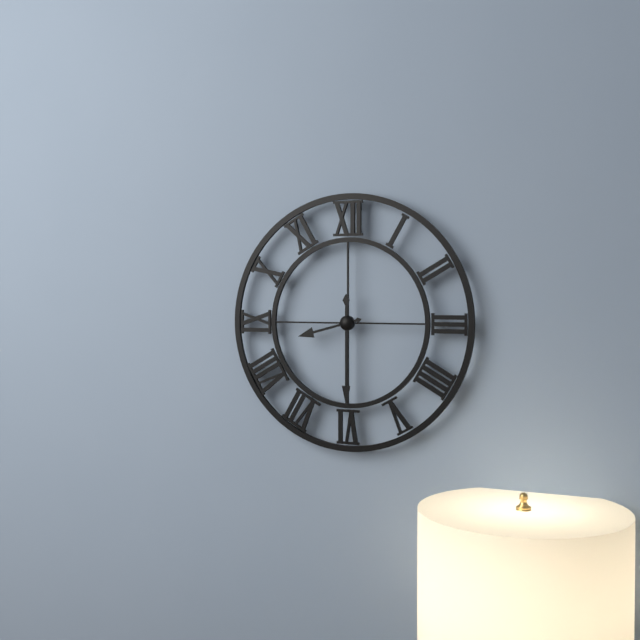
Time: **8:30**
